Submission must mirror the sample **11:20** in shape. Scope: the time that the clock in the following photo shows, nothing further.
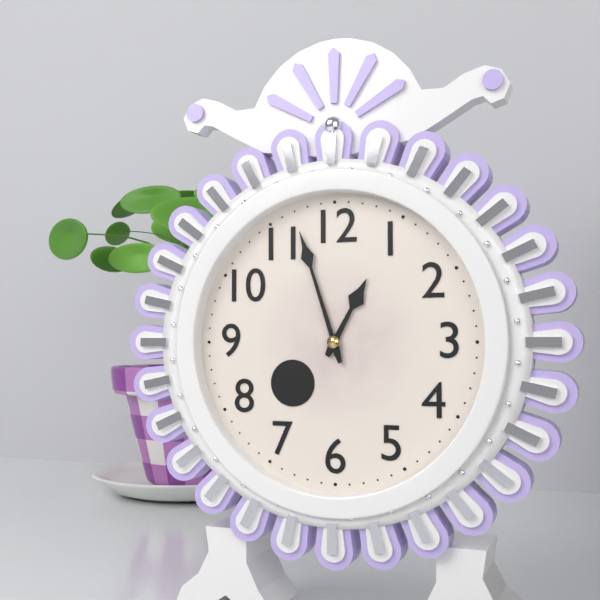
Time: **12:57**
